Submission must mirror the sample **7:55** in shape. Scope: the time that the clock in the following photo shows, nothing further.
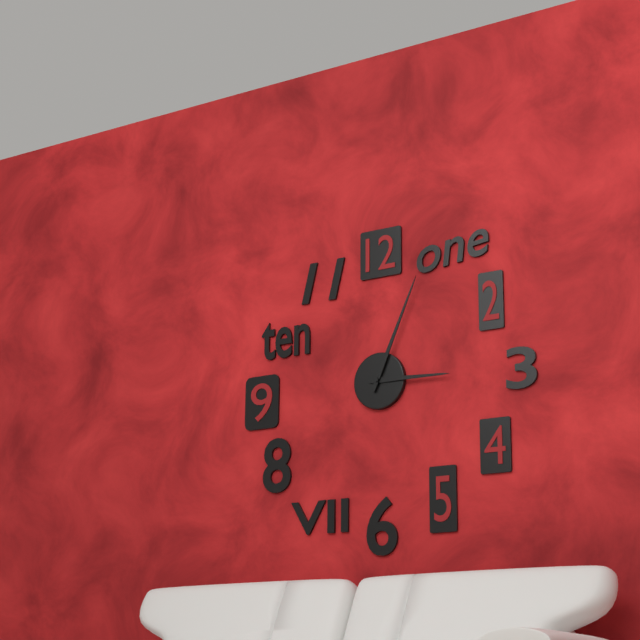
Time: **3:04**
